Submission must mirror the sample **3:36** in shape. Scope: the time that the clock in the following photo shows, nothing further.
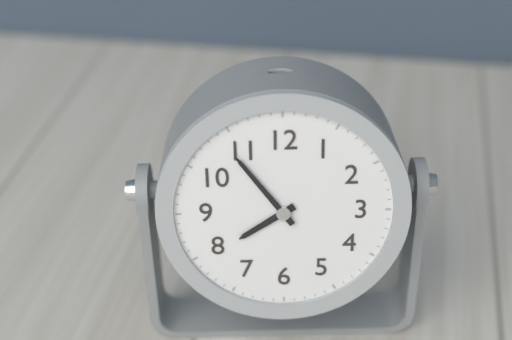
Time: **7:54**
